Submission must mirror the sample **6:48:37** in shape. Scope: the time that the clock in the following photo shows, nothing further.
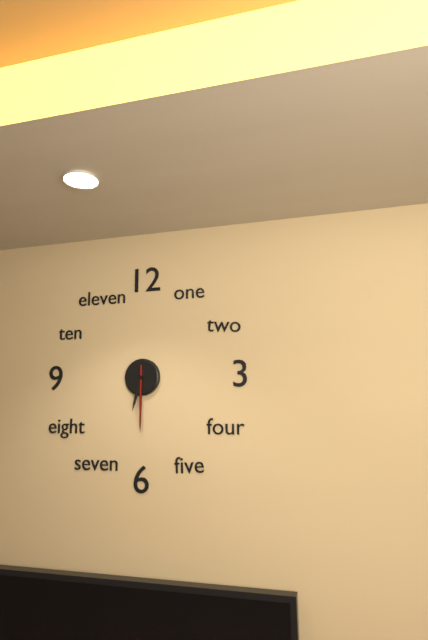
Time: **6:30:30**
